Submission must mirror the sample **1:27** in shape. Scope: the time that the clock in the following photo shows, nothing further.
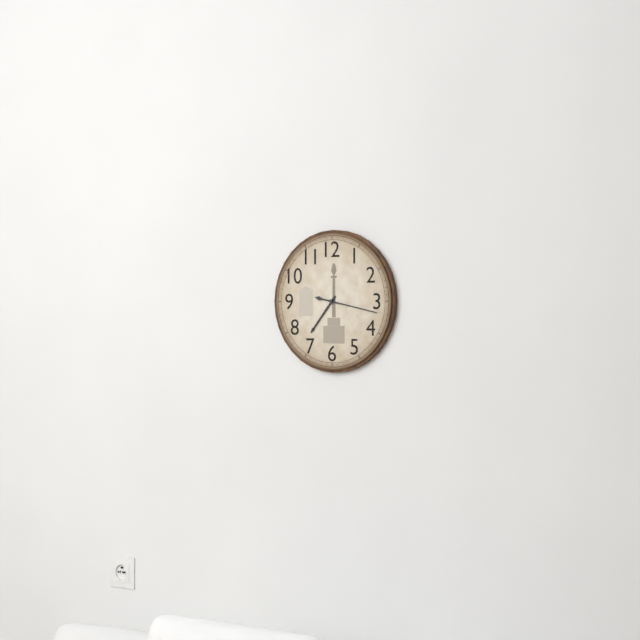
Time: **7:17**
